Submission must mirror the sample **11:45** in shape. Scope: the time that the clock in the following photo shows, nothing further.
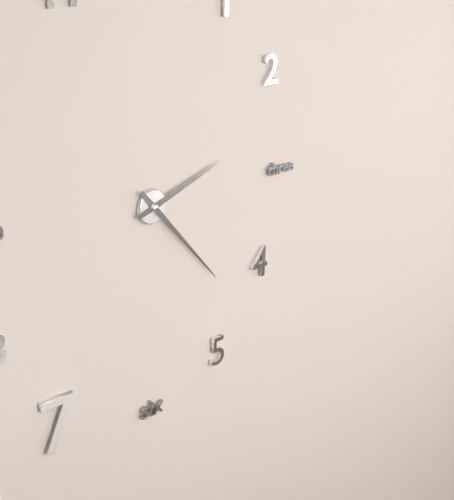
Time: **2:23**
